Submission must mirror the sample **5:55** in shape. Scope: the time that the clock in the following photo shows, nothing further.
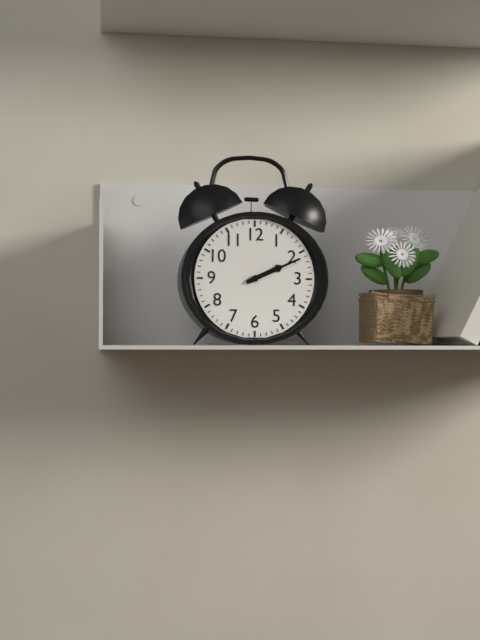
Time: **2:11**
